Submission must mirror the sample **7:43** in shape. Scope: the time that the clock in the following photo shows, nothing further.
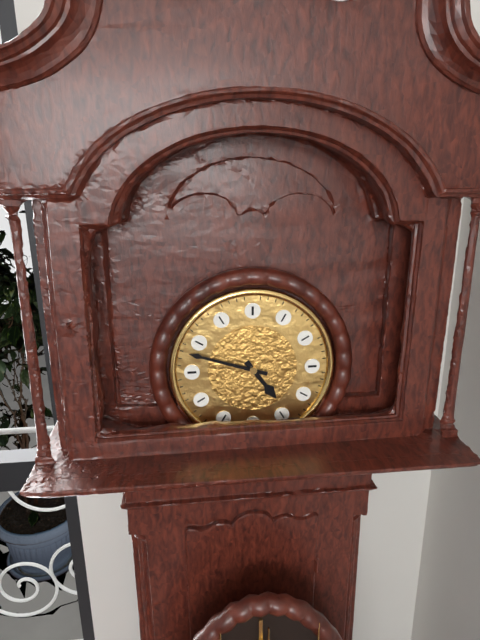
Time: **4:48**
